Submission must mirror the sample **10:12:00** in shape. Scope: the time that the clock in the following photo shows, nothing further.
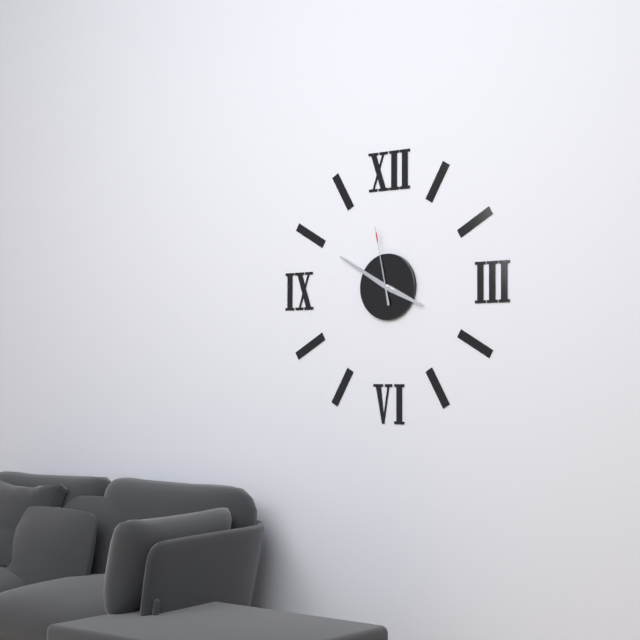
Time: **3:50:58**
